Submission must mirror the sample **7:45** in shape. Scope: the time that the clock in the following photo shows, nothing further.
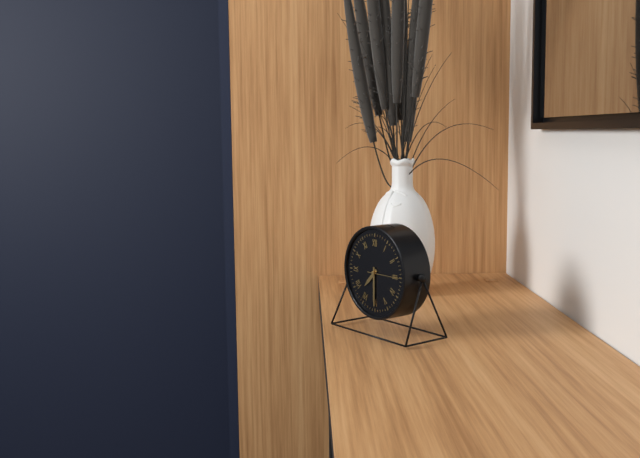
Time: **7:30**
